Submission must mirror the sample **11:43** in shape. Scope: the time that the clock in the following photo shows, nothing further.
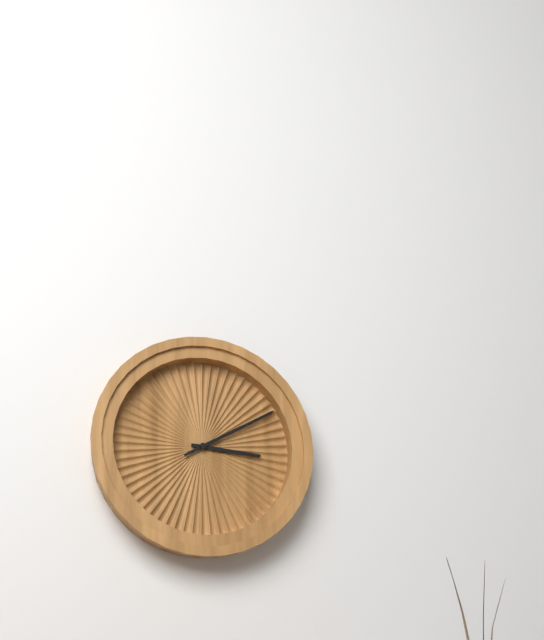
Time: **3:10**
